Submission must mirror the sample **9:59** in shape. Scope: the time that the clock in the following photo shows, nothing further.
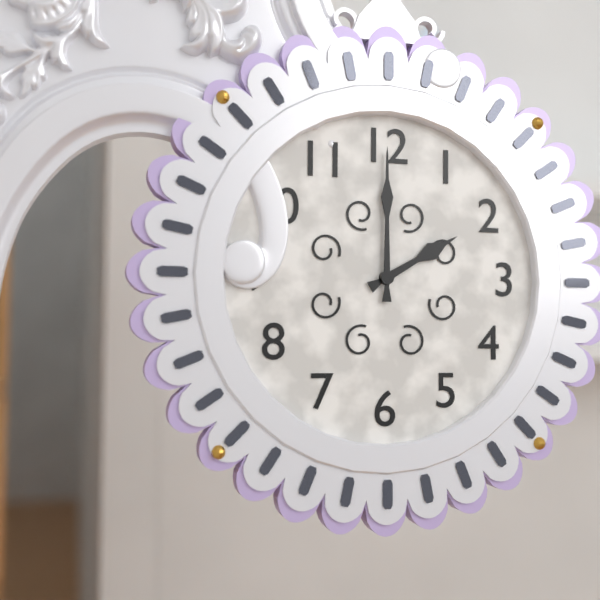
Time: **2:00**
